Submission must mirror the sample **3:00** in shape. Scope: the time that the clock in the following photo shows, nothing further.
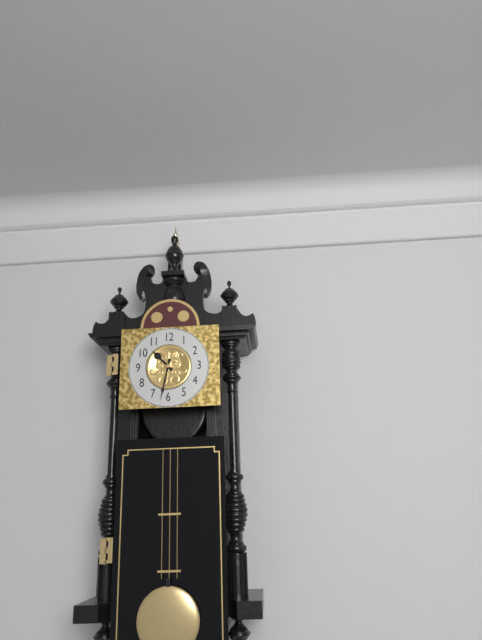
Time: **10:32**
